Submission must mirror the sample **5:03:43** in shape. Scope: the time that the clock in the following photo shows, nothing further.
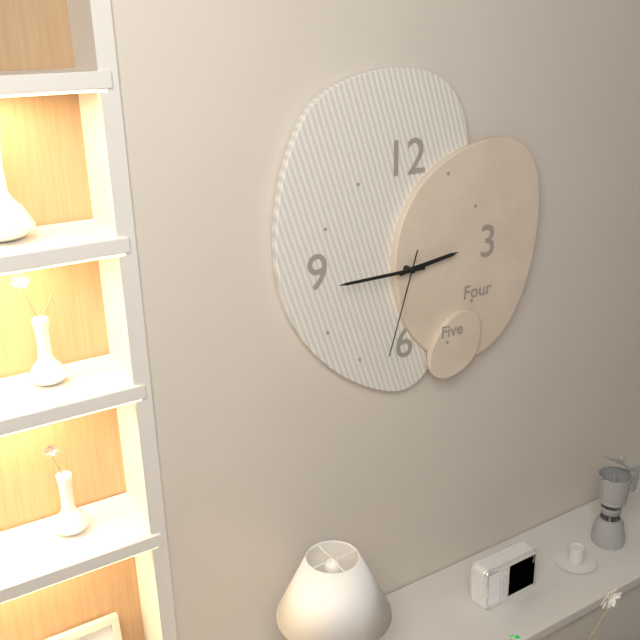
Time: **2:45:33**
